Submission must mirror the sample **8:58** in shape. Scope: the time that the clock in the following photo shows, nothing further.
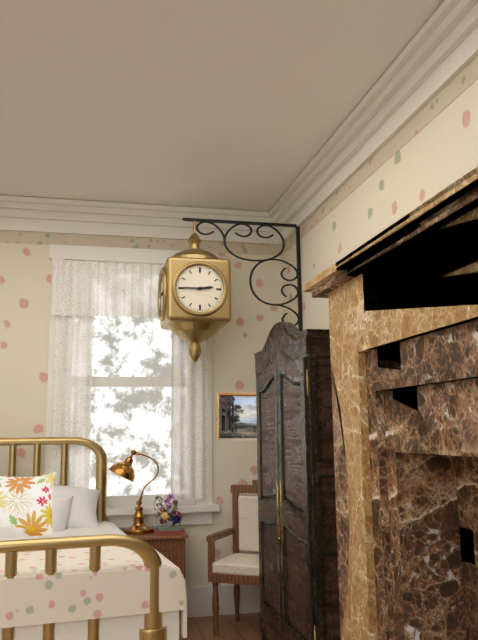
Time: **2:45**
